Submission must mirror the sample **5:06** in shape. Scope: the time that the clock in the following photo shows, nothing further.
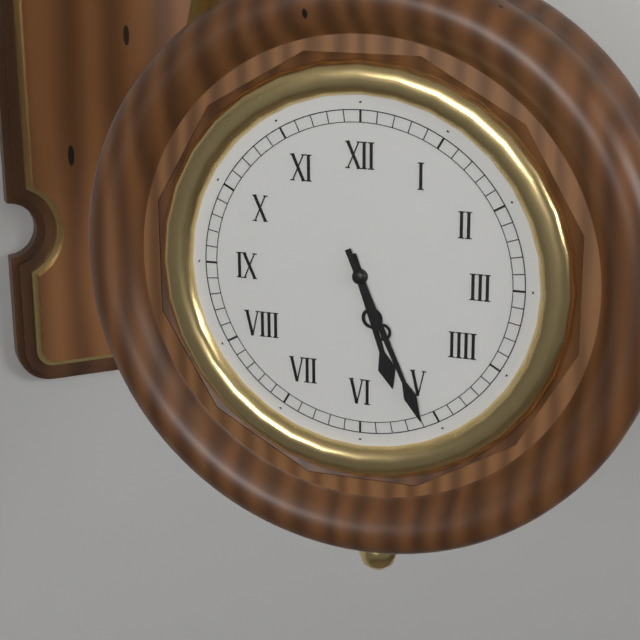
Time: **5:26**
